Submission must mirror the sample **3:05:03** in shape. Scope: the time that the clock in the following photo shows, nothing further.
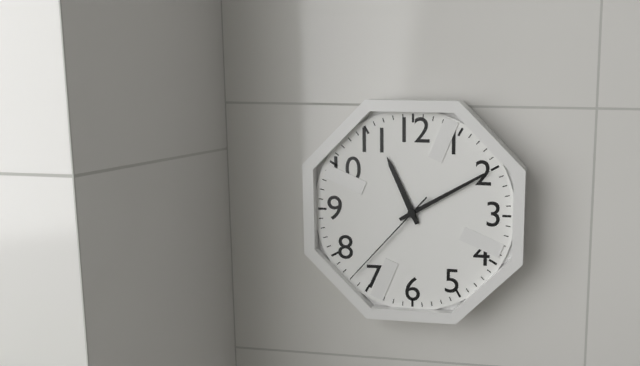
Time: **11:10:37**
